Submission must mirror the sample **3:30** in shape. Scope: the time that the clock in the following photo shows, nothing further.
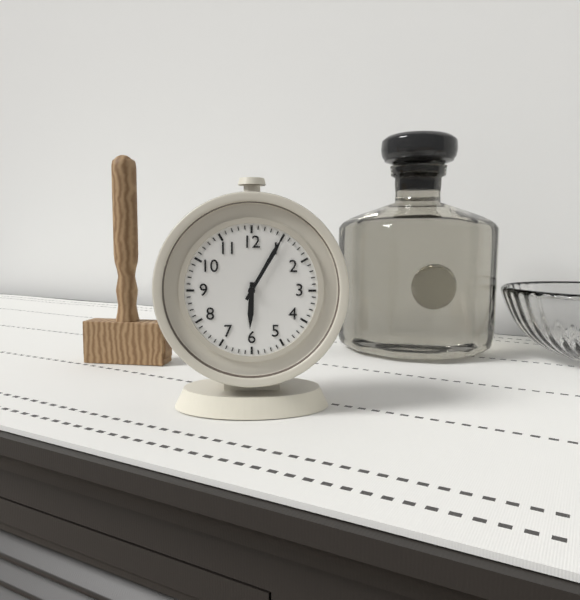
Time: **6:05**
